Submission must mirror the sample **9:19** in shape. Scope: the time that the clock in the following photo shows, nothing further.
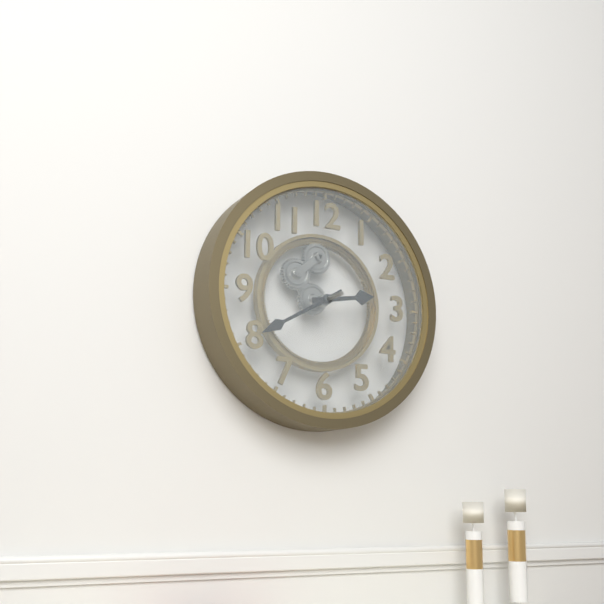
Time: **2:40**
